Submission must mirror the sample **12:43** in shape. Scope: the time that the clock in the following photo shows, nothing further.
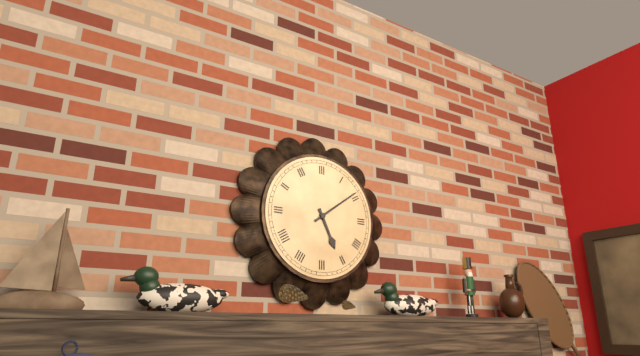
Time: **5:09**
